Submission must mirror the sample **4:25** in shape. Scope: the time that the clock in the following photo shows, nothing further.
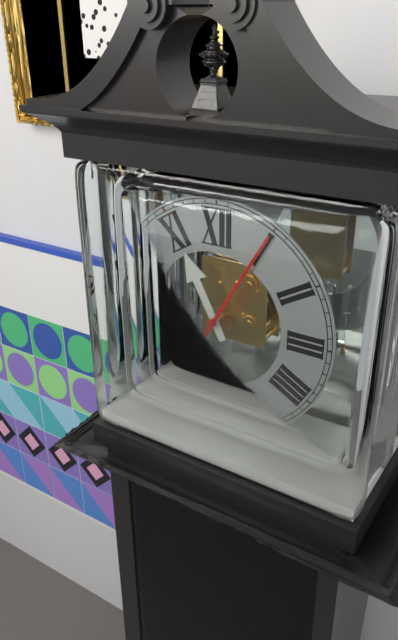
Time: **11:05**
